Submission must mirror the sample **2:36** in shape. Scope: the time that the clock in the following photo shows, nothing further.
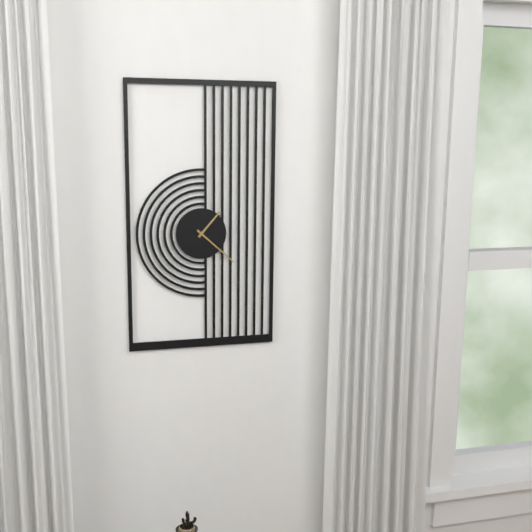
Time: **1:22**
